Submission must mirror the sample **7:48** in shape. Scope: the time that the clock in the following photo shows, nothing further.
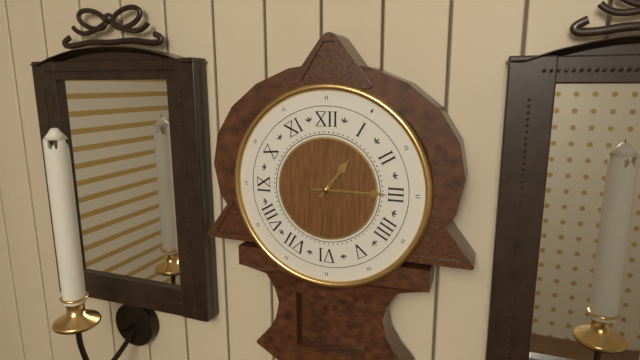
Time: **1:15**
